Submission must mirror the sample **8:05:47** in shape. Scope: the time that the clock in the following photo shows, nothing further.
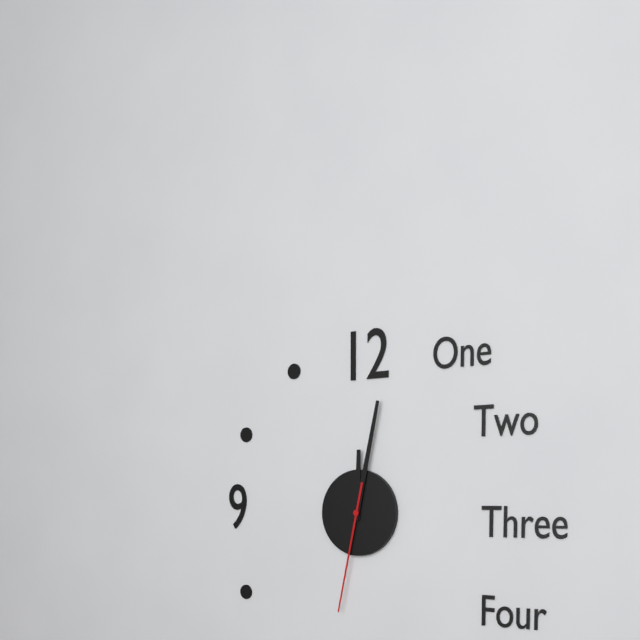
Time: **12:02:32**
